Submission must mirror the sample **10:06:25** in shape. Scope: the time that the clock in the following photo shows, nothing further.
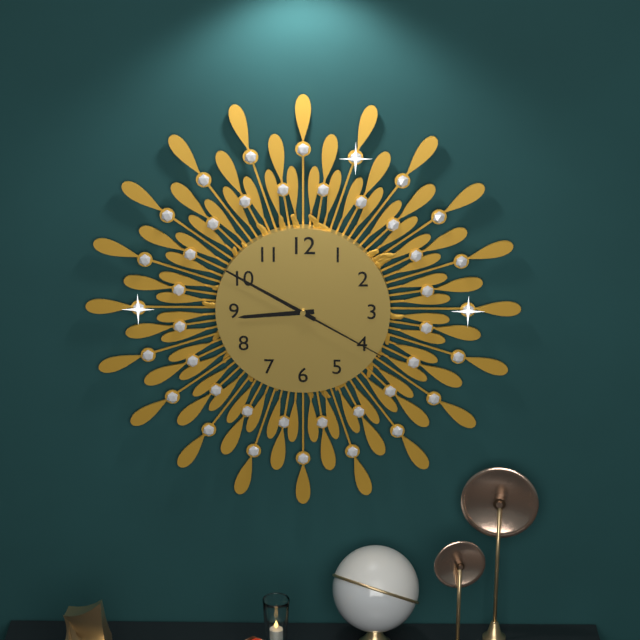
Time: **8:50:20**
